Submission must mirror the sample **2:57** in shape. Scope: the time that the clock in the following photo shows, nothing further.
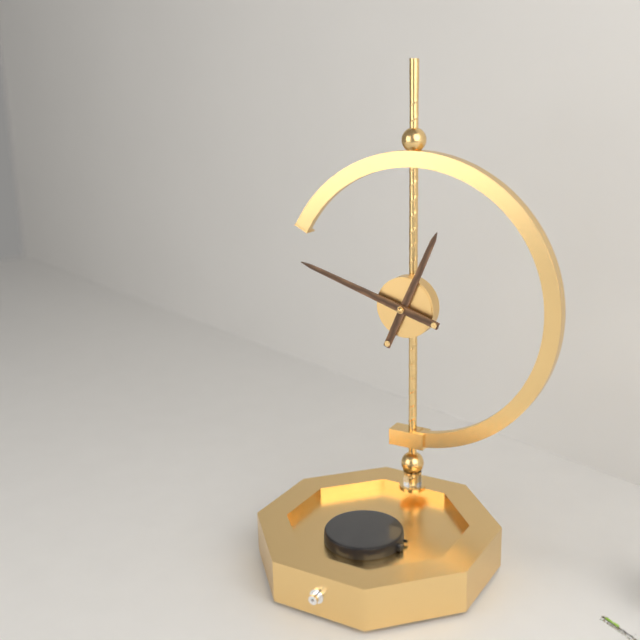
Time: **12:48**
